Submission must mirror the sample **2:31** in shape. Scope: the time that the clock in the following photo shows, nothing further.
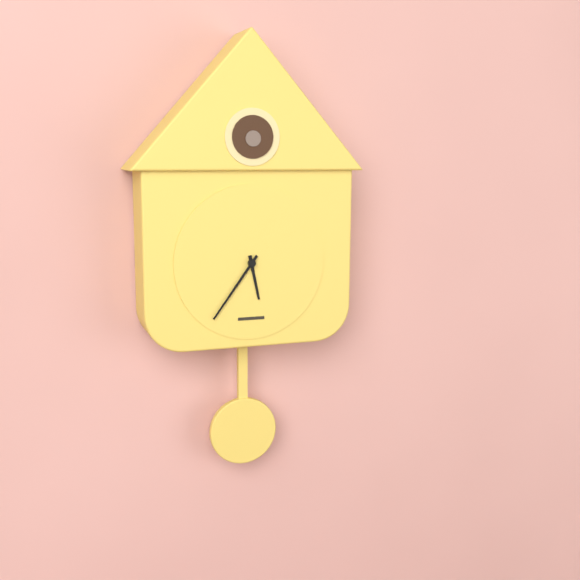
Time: **5:36**
